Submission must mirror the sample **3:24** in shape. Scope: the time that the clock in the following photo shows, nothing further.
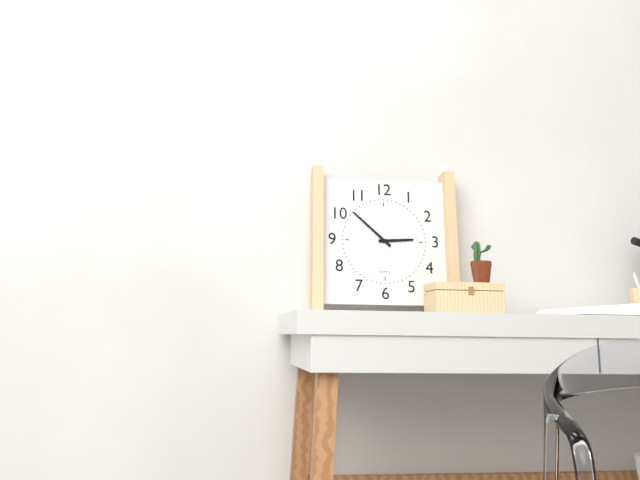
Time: **2:52**
